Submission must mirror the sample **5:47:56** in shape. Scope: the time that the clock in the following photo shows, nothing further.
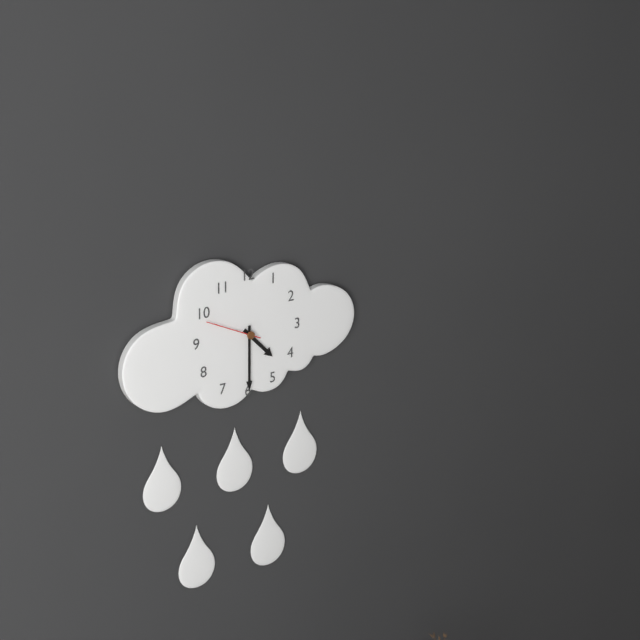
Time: **4:30:49**
